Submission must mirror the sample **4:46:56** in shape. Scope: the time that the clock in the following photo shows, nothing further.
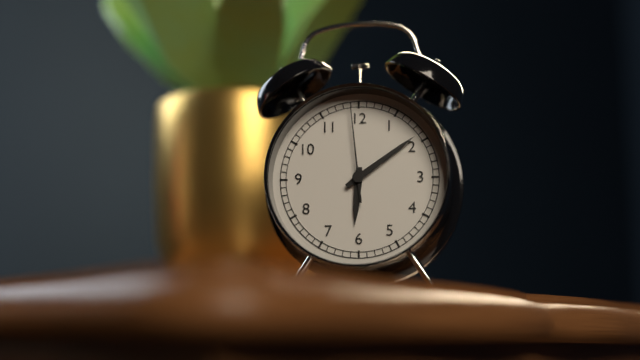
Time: **6:09:59**
